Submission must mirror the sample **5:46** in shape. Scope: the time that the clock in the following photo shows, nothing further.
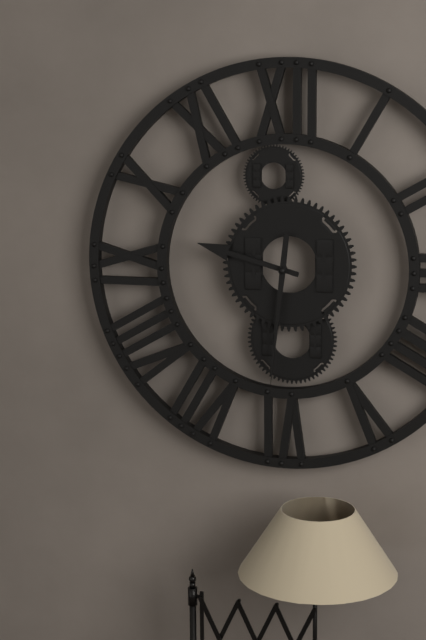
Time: **9:31**
